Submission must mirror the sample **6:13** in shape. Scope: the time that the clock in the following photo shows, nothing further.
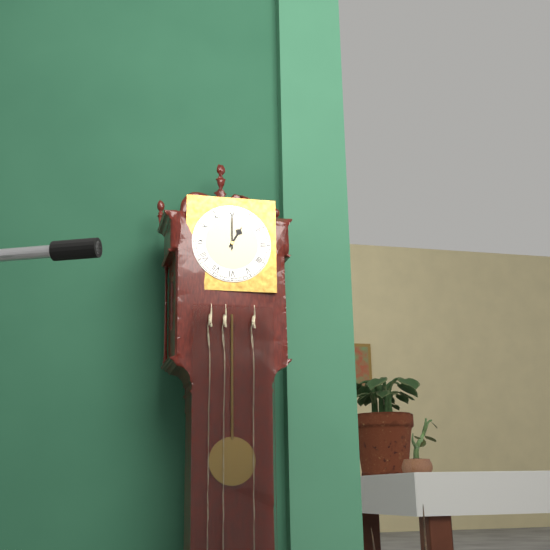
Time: **1:00**
